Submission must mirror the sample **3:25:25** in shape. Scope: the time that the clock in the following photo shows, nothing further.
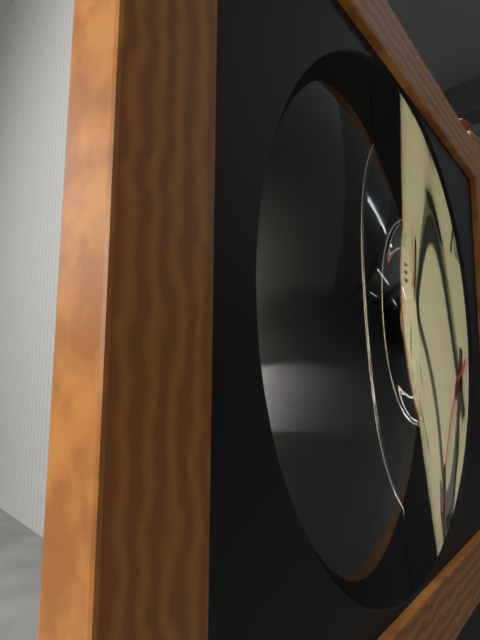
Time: **6:56:43**
